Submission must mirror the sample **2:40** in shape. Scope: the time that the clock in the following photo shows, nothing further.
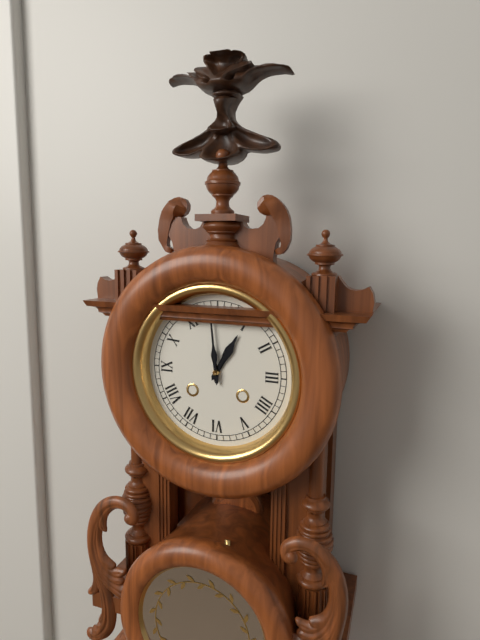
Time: **12:59**
